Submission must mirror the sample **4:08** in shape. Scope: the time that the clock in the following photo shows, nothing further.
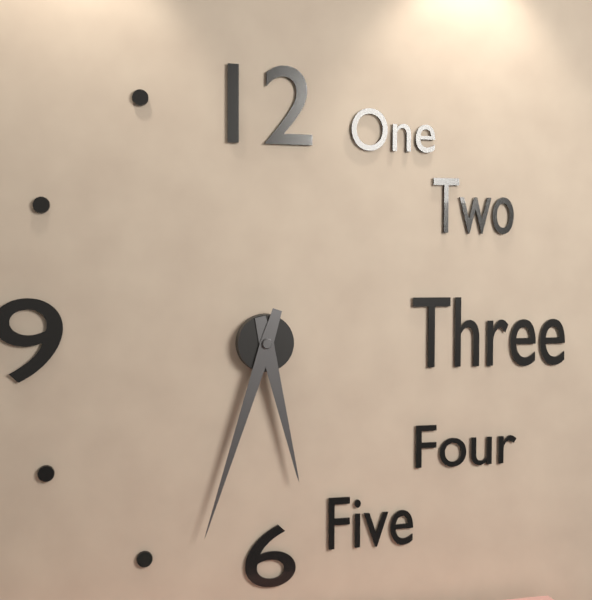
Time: **5:33**
